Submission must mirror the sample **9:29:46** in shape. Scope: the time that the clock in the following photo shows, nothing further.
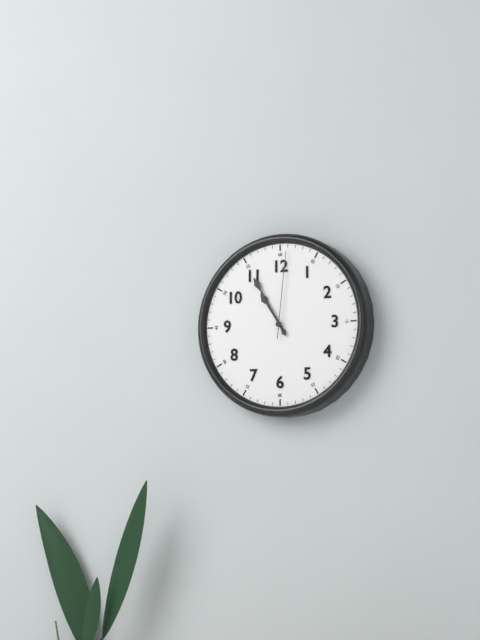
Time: **10:55:01**
